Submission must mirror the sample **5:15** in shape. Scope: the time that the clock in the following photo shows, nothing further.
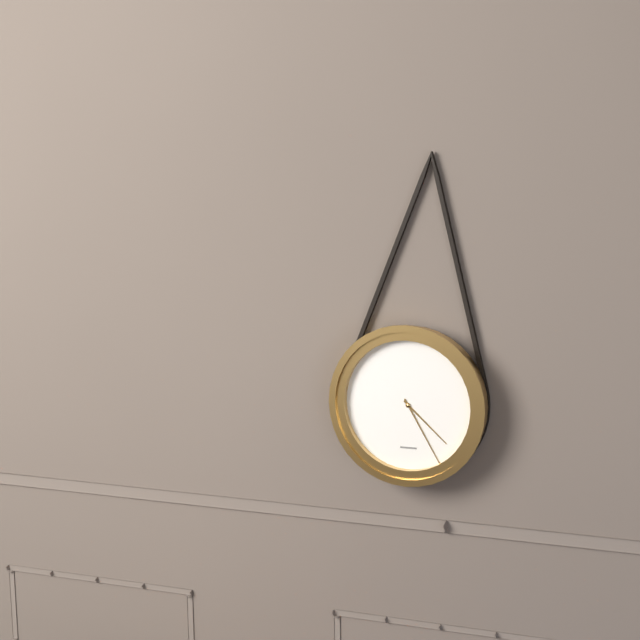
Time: **4:25**
